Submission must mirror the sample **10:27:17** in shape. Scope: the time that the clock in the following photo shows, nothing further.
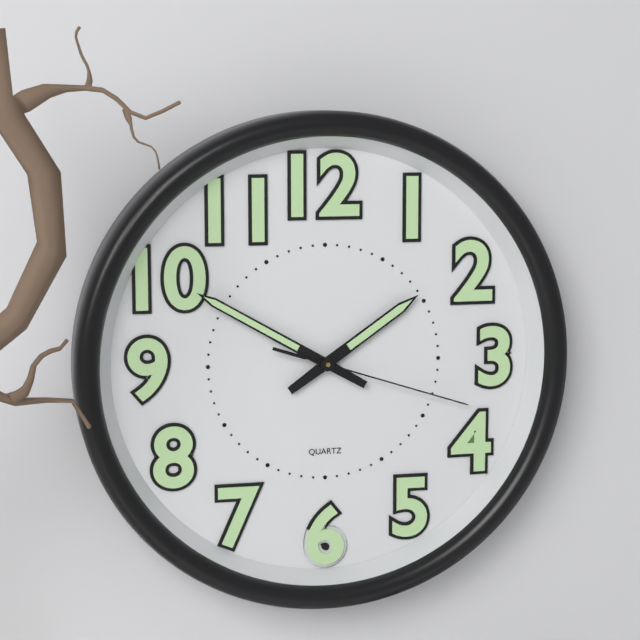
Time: **1:50:18**
